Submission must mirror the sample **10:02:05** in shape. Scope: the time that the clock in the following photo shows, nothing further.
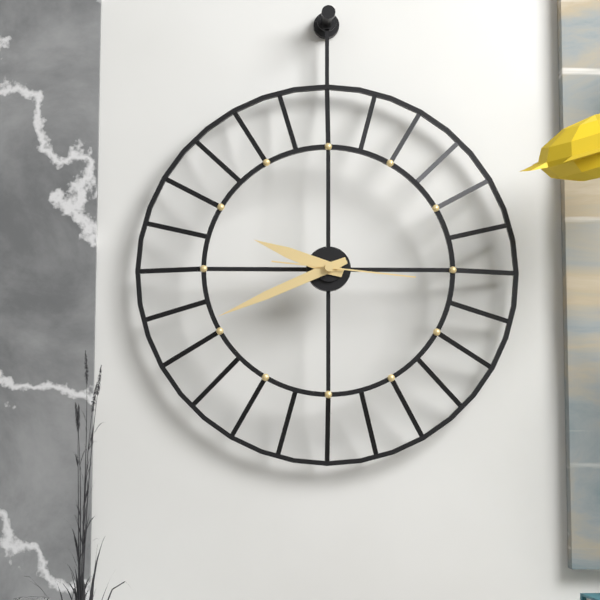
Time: **9:41:16**
